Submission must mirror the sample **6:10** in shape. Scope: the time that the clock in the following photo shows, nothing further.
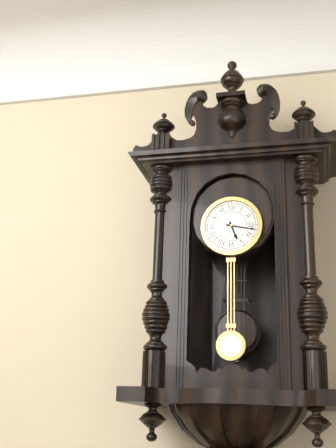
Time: **5:17**
